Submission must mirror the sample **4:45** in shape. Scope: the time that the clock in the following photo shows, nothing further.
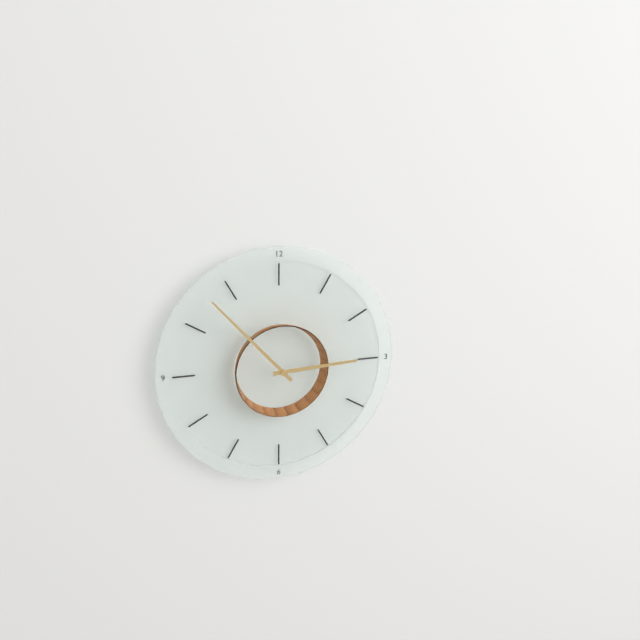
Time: **2:53**
